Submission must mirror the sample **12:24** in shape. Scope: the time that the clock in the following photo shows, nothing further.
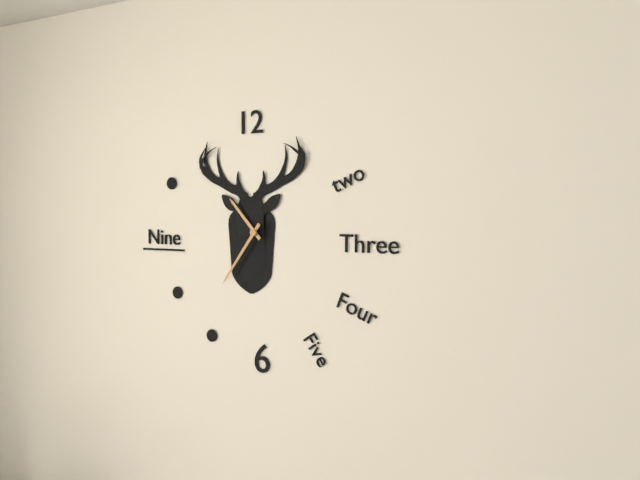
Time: **10:36**
